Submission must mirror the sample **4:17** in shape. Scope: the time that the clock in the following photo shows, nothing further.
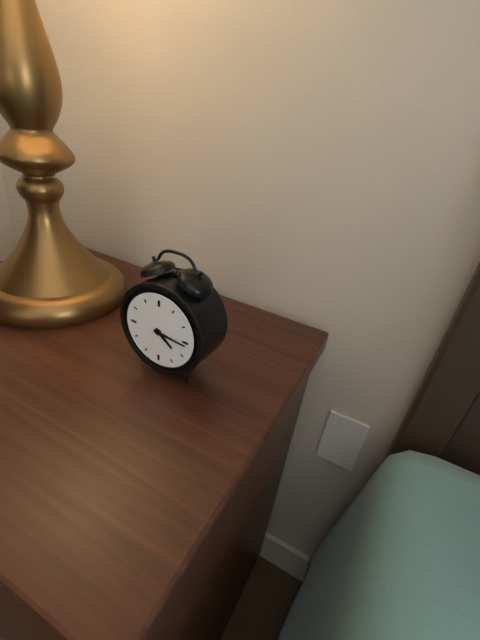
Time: **4:16**
